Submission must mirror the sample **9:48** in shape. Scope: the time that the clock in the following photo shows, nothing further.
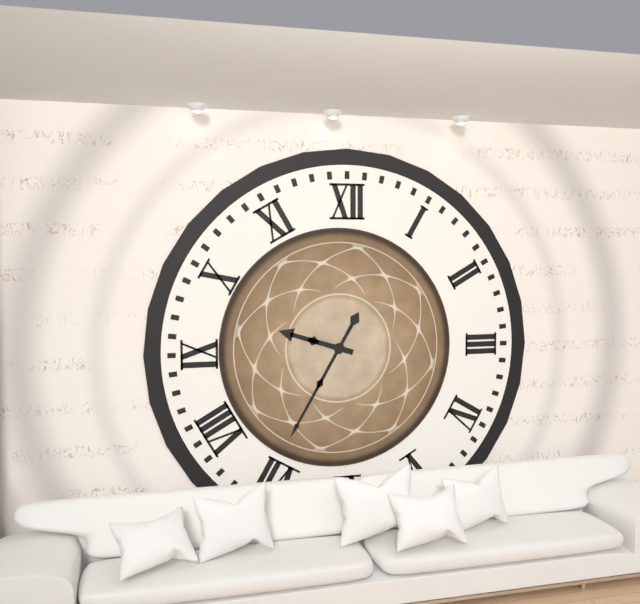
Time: **9:35**
